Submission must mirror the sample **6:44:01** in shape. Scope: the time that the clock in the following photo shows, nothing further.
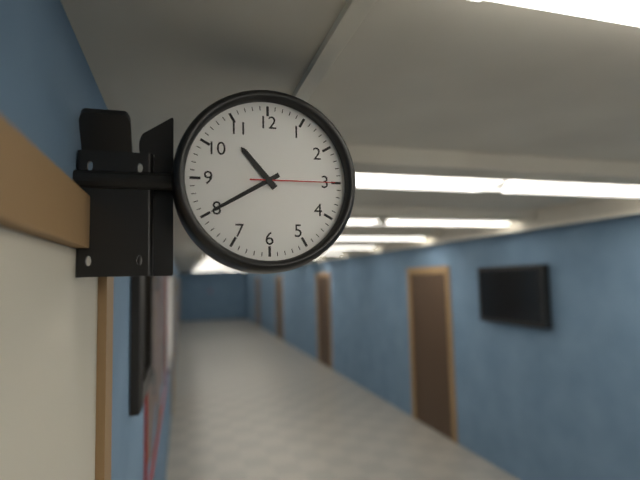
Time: **10:40:15**
